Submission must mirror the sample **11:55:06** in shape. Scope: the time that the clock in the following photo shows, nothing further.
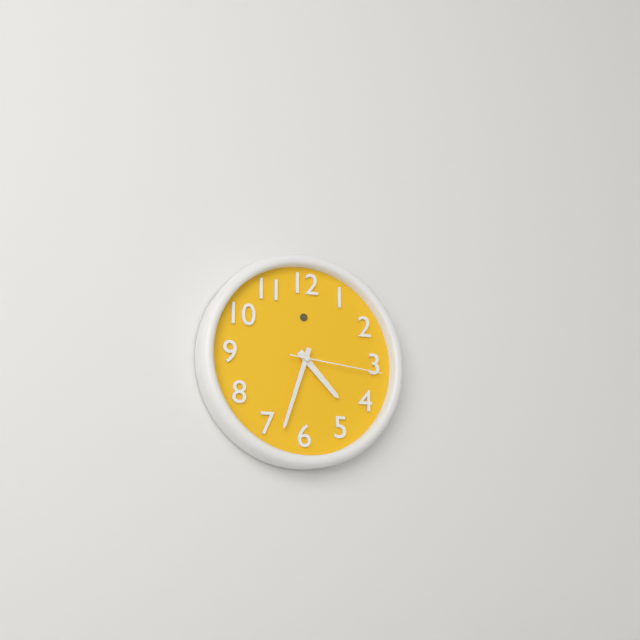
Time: **4:33:16**
